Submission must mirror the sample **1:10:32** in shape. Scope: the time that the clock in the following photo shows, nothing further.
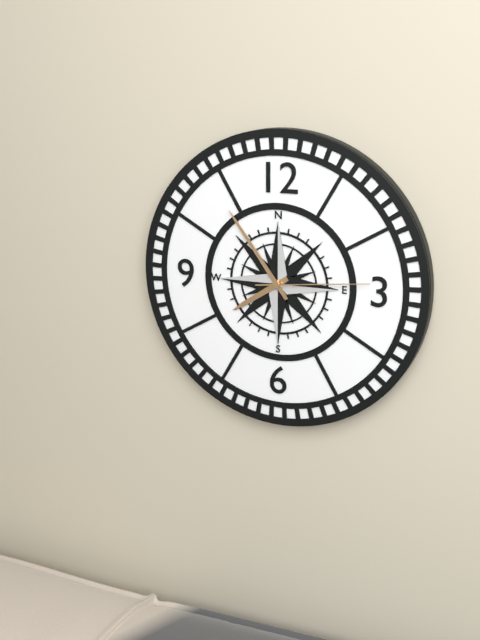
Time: **7:54:14**
